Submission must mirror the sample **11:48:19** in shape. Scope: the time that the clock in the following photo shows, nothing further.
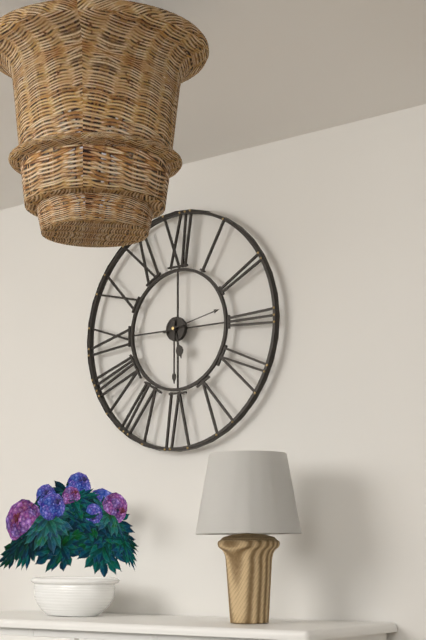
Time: **5:30:13**
